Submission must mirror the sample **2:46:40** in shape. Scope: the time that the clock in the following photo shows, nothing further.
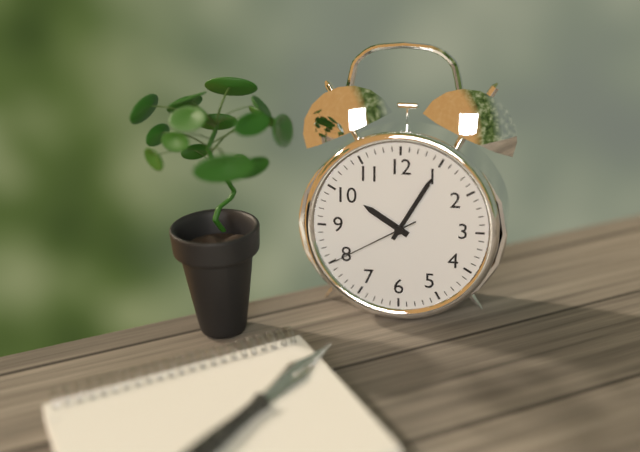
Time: **10:05:40**
